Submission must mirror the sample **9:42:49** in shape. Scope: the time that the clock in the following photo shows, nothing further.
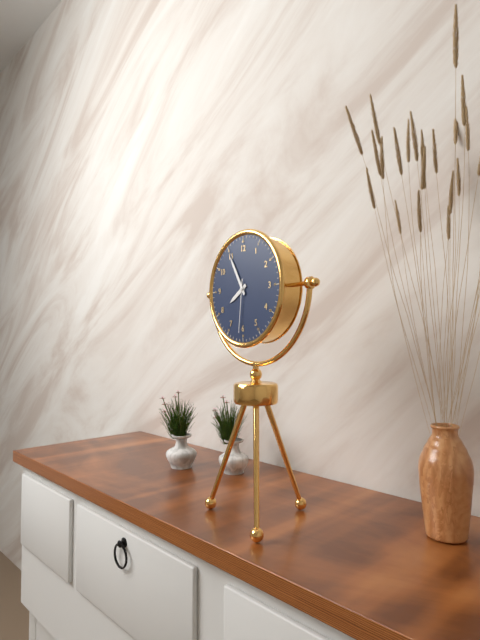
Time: **7:55:31**
